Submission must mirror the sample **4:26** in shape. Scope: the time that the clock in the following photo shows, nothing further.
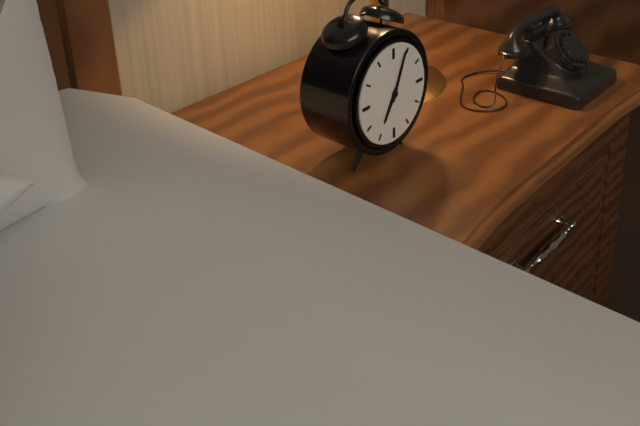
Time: **7:04**
